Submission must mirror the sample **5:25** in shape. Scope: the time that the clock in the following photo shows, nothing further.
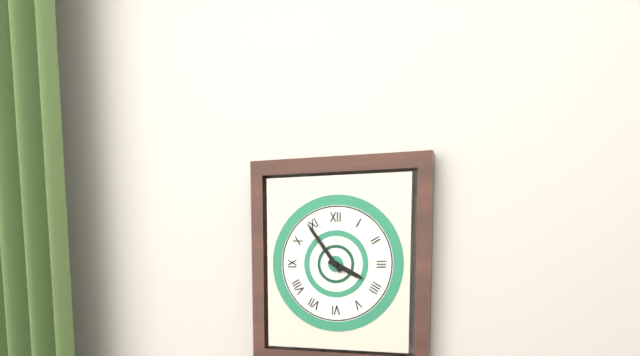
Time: **3:54**
